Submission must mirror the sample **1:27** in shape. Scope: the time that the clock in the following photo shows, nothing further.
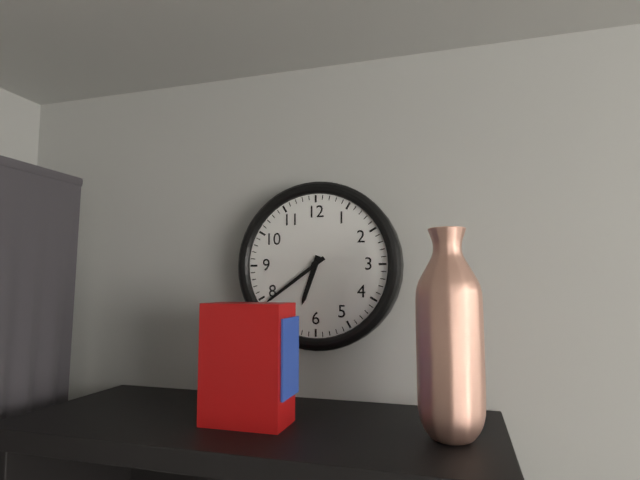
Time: **6:39**
